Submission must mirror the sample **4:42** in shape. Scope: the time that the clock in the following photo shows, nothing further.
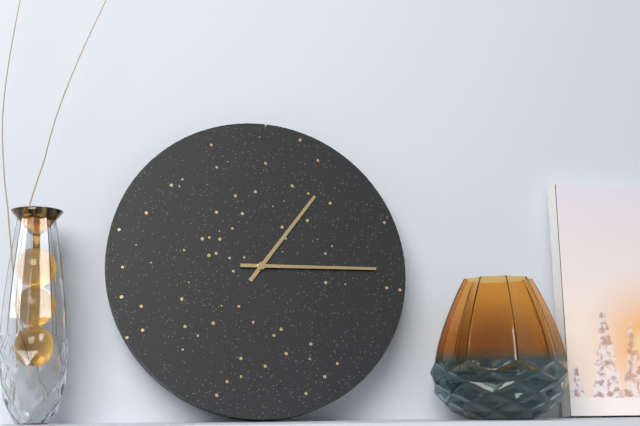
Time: **1:15**
